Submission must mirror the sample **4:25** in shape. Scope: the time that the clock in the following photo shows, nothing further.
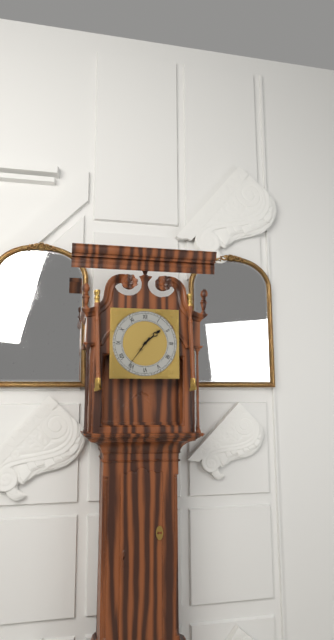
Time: **1:36**
